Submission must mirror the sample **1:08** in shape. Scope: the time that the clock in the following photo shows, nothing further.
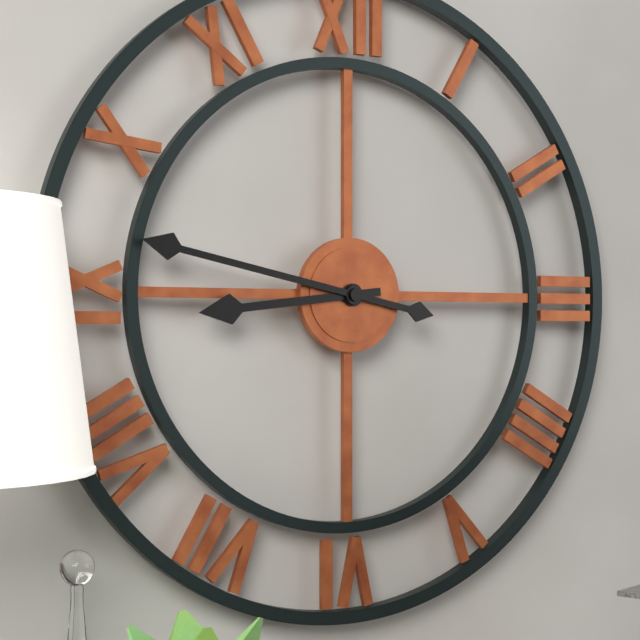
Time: **8:47**
